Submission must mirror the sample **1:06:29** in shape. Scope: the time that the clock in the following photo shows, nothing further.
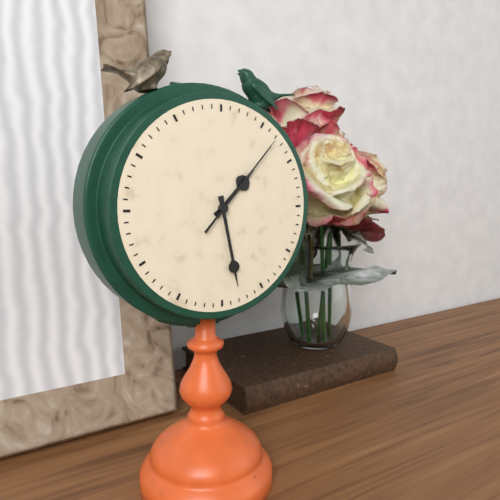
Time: **1:28:07**
